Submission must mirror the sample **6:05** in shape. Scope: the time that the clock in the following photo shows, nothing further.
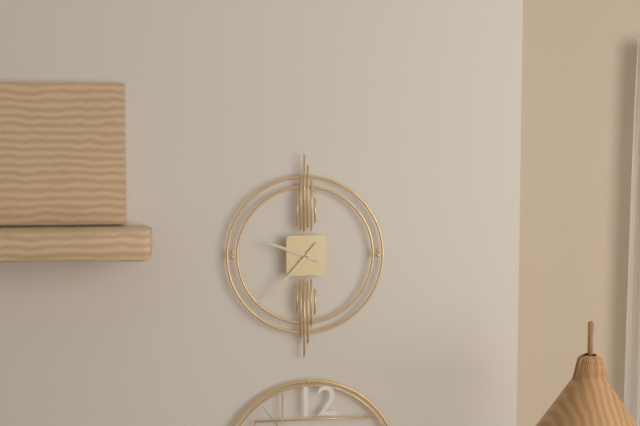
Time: **9:37**
